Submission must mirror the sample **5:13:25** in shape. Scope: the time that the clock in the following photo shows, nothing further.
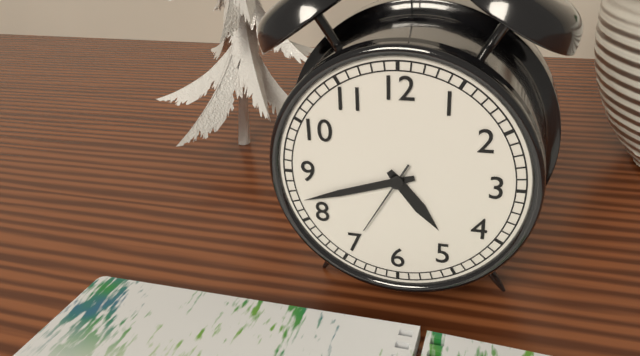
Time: **4:42:35**
